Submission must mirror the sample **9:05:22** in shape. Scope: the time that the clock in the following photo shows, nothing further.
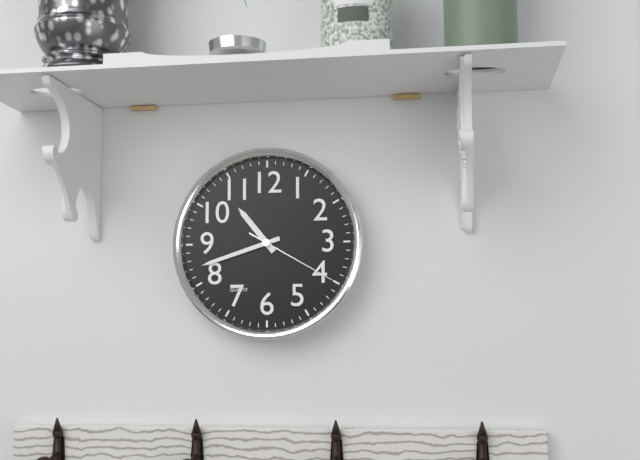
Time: **10:42:20**
